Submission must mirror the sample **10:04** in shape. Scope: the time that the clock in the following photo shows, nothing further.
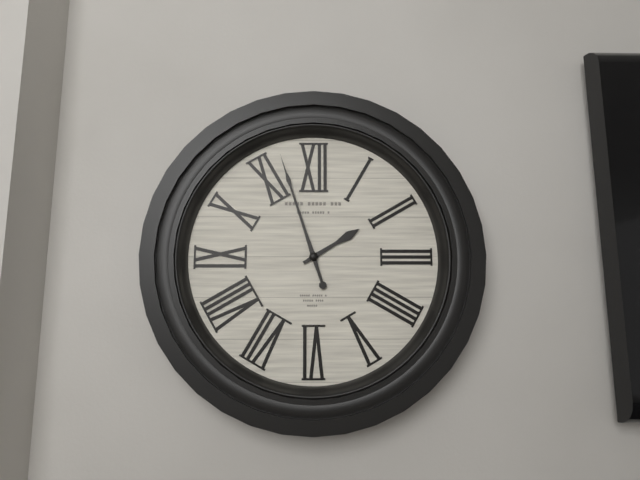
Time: **1:57**
